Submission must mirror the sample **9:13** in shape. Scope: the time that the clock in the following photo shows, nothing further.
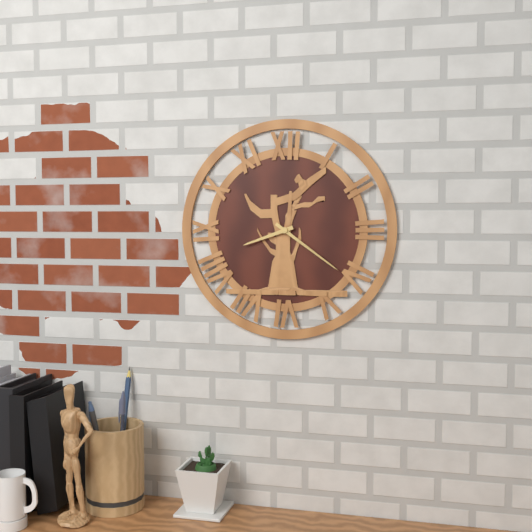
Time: **8:21**
